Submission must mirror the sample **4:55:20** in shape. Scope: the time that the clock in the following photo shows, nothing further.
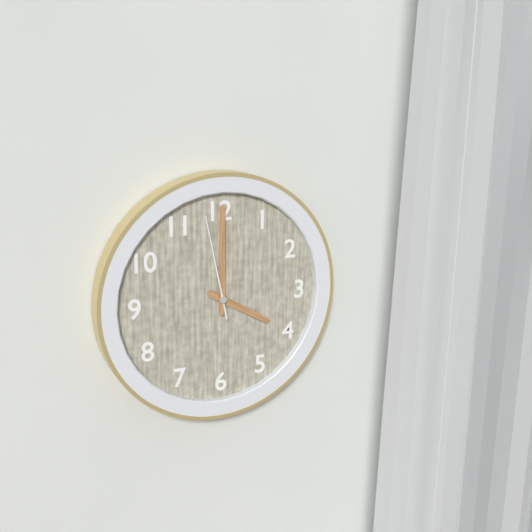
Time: **4:00:58**
